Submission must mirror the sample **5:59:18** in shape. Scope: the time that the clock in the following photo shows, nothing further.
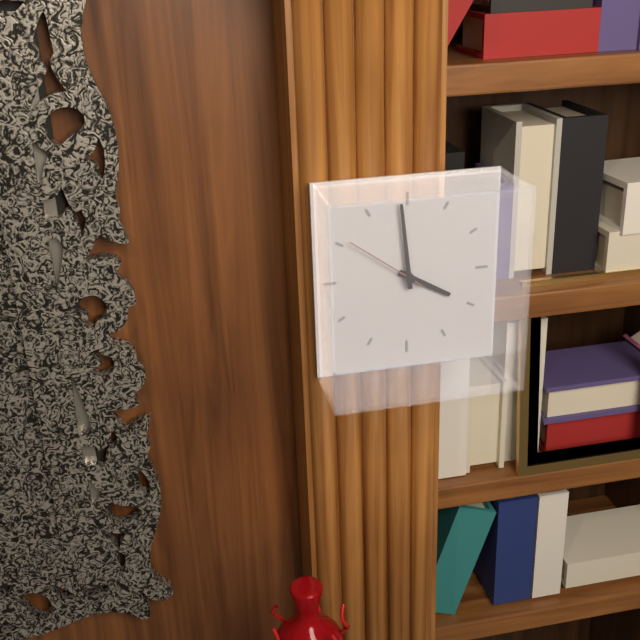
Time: **3:59:51**
